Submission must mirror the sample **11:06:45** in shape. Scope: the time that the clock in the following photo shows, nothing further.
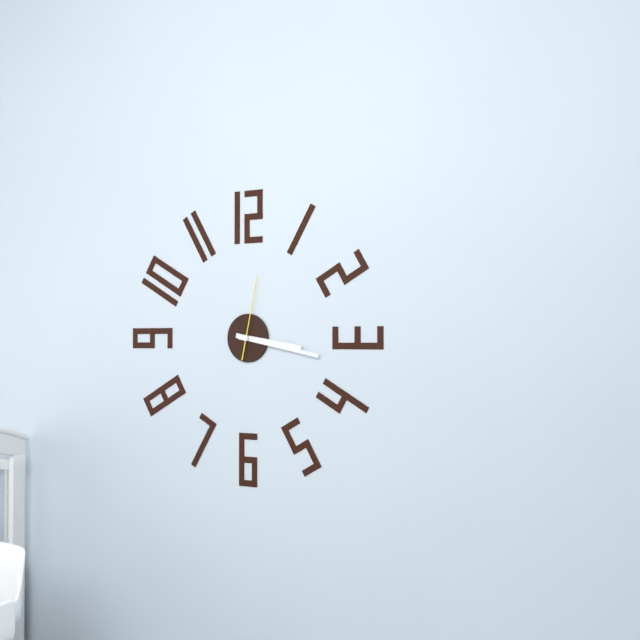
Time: **3:17:02**
